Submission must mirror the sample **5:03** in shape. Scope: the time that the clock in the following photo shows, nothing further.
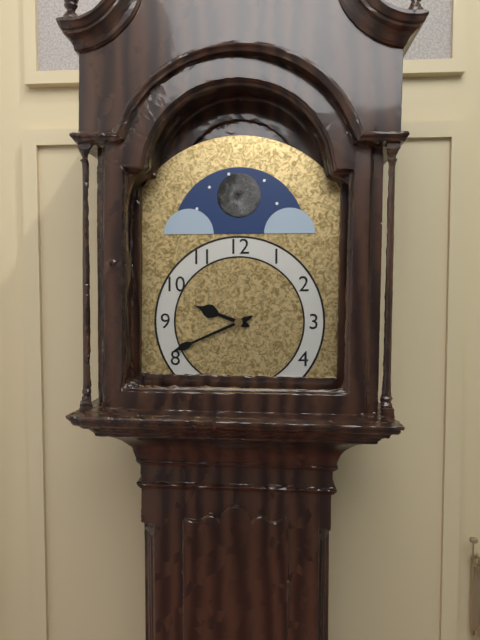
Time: **9:41**
